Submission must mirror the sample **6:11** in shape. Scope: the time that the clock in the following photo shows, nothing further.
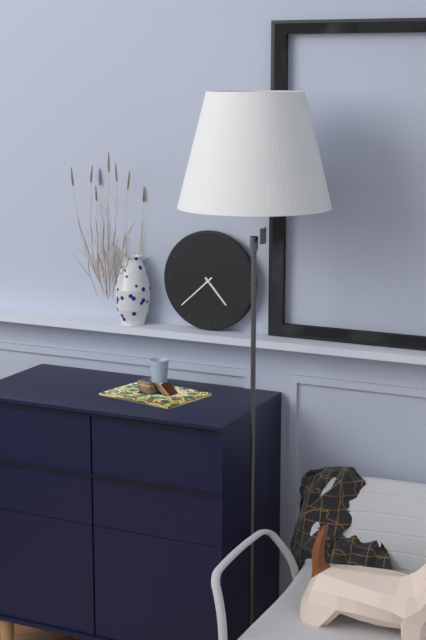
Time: **4:38**
